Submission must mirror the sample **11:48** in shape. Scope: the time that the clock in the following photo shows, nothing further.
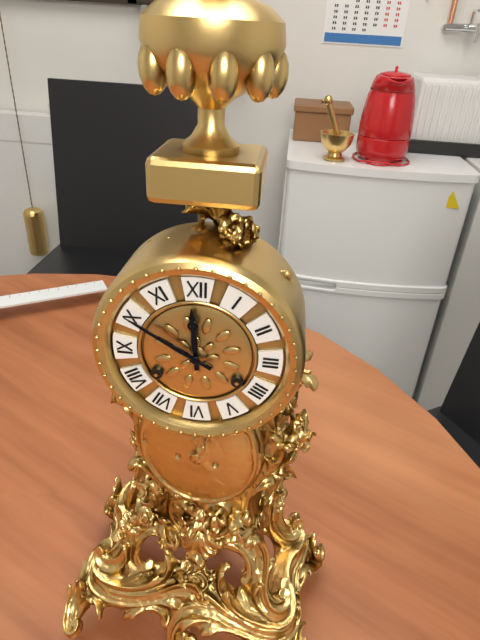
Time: **11:50**
